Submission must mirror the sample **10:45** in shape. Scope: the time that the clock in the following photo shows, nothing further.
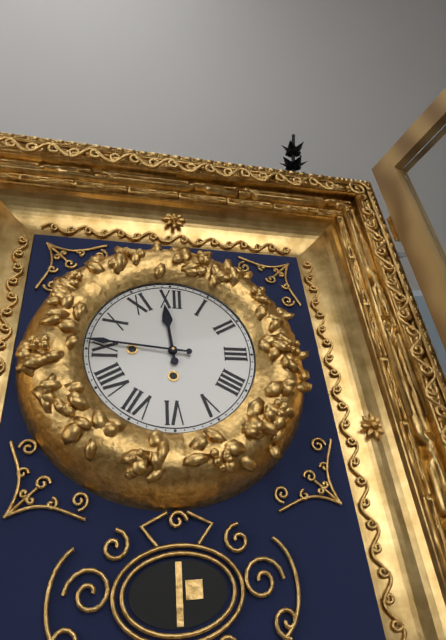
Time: **11:46**
